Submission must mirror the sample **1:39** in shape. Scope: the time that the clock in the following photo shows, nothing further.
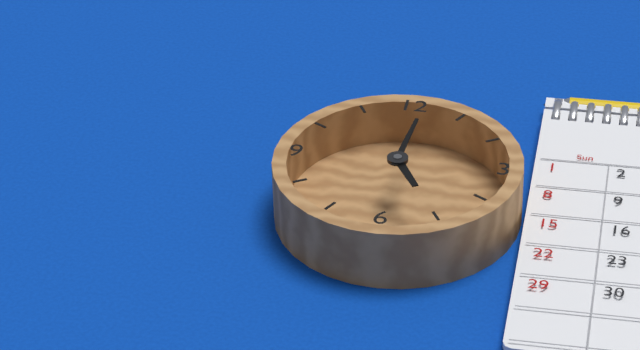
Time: **5:01**
